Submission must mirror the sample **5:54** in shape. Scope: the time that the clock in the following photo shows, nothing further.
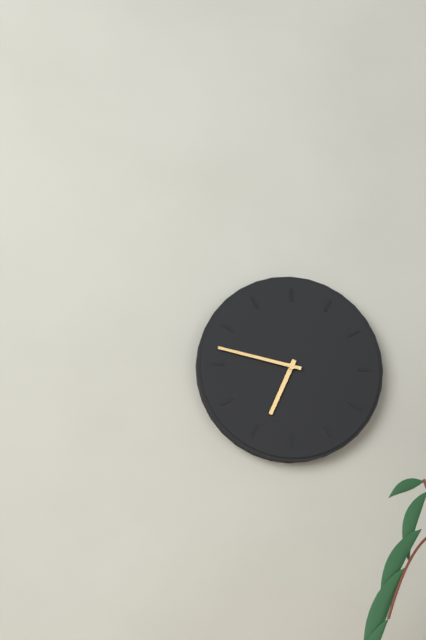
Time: **6:47**
